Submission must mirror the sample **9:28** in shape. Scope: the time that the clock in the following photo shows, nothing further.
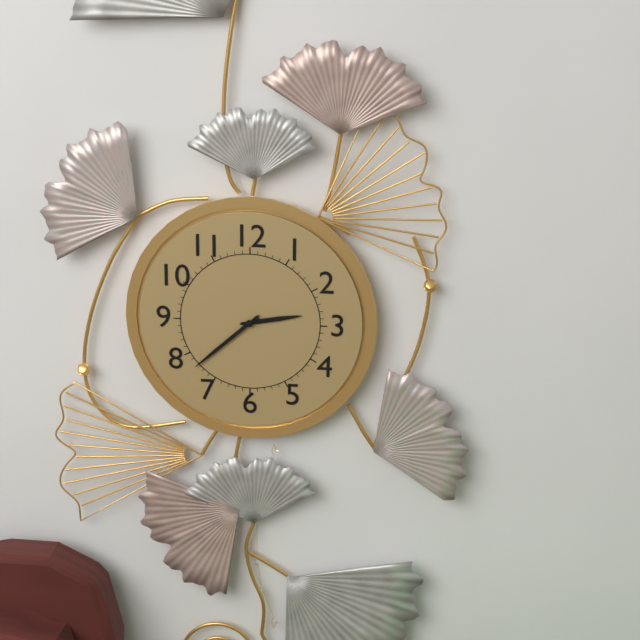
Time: **2:38**
